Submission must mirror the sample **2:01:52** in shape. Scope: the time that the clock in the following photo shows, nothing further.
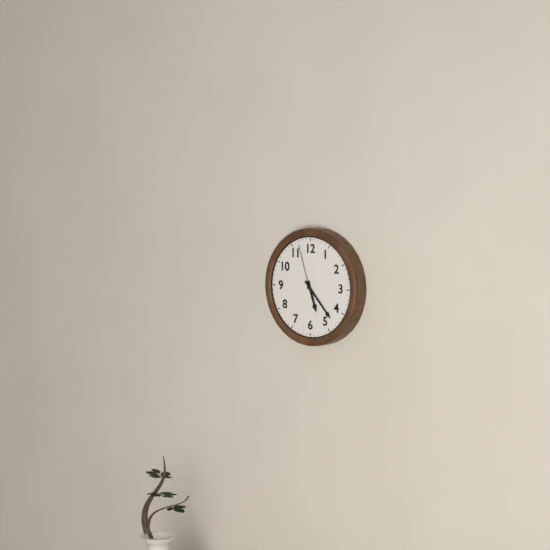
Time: **5:23:57**
